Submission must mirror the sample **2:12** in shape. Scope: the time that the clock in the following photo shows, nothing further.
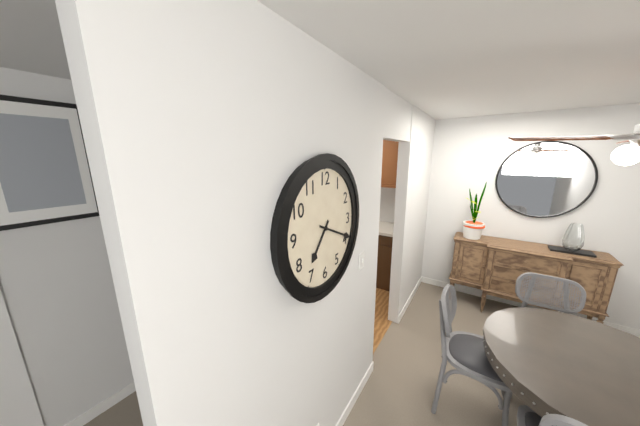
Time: **7:19**
